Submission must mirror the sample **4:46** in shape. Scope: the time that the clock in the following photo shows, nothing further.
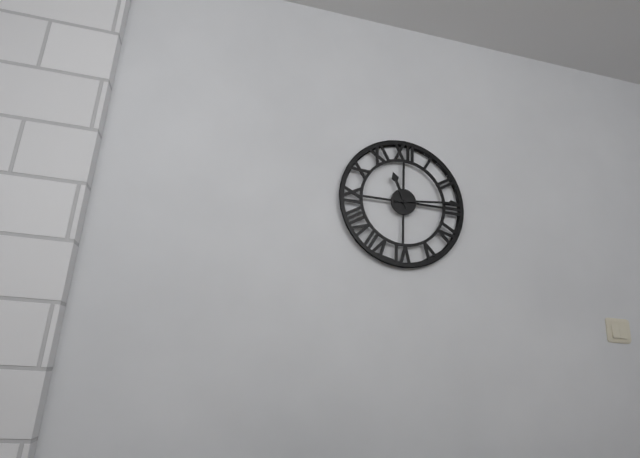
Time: **11:14**
